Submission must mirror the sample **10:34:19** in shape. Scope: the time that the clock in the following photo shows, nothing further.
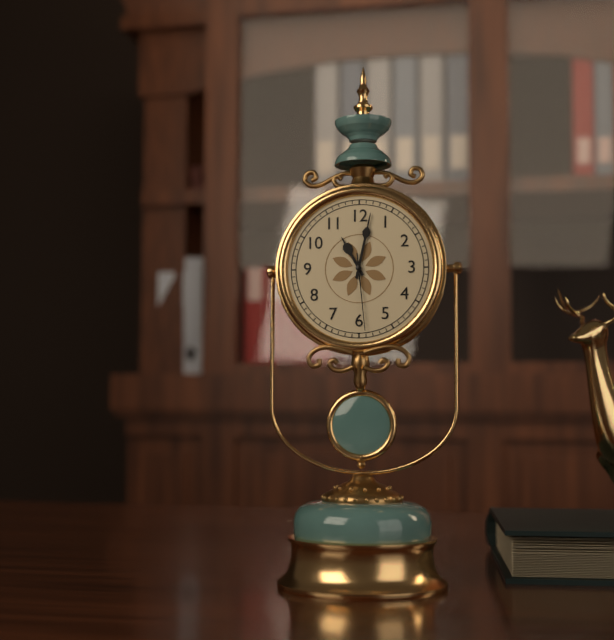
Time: **11:02:29**
